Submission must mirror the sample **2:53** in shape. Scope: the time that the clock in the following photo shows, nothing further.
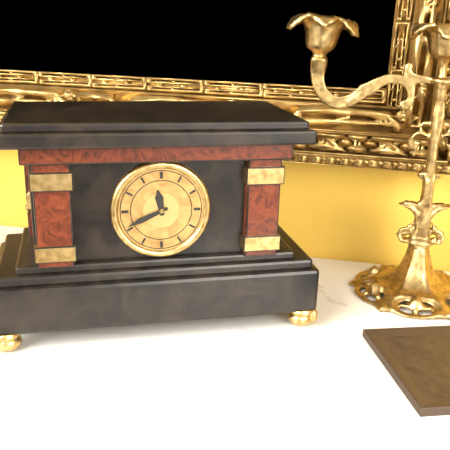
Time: **11:41**
